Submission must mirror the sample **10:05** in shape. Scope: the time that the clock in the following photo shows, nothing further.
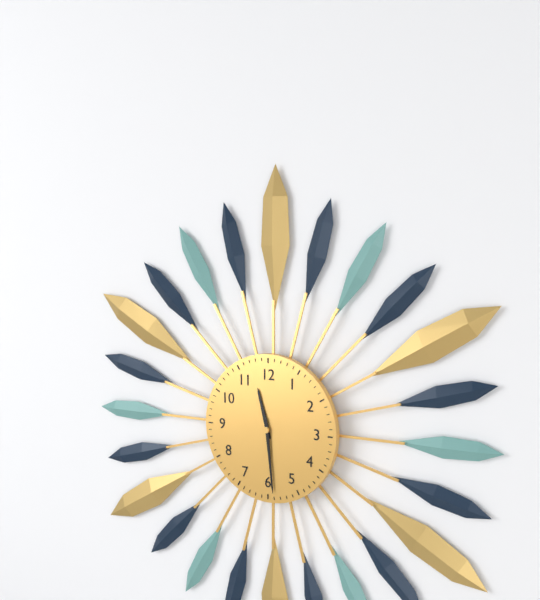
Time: **11:29**
